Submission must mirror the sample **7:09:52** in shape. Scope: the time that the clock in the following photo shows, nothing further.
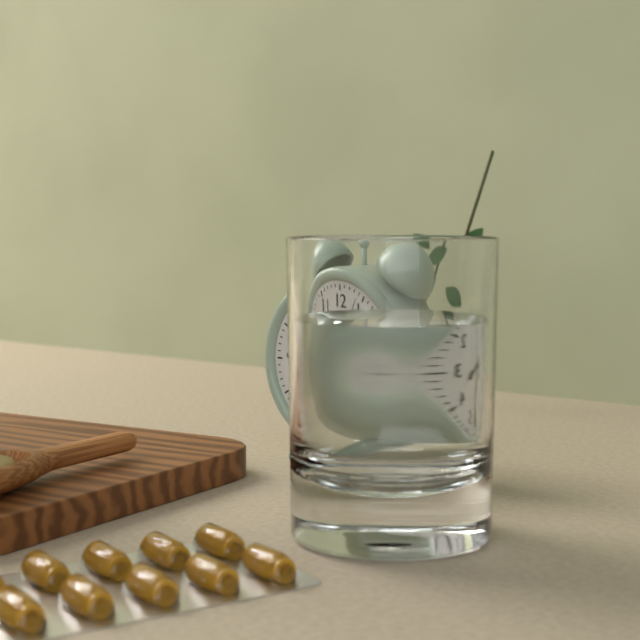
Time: **3:28:04**
